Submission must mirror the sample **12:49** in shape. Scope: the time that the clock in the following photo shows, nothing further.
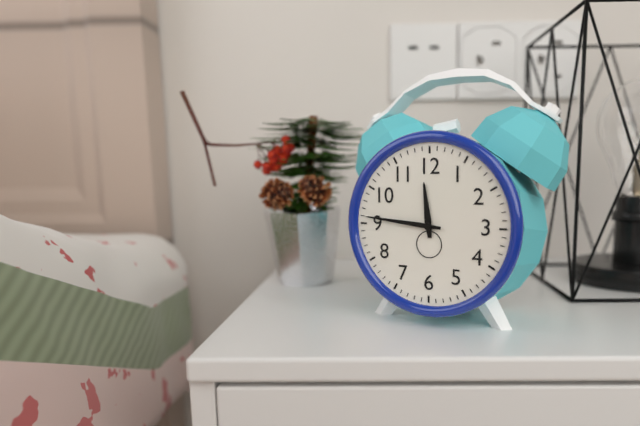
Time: **11:46**
